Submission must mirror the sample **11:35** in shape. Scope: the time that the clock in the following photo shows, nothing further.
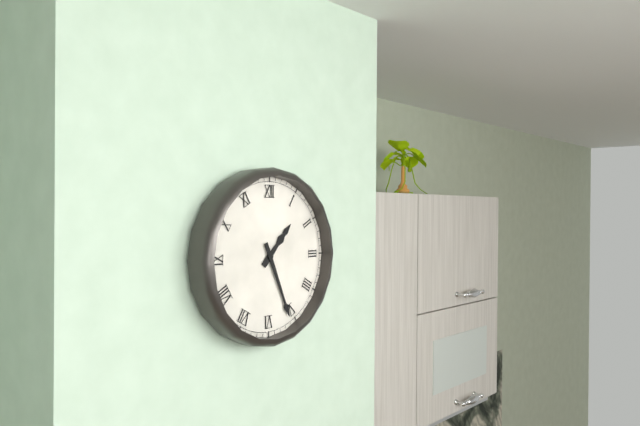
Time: **1:26**
